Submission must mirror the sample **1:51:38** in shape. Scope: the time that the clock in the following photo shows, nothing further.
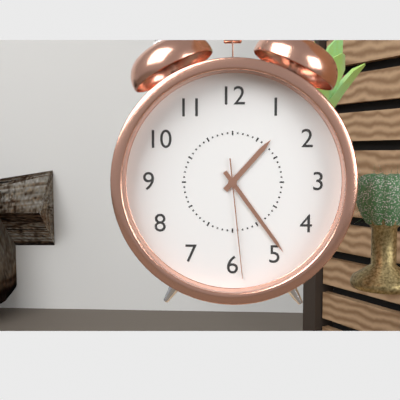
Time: **1:24:29**
